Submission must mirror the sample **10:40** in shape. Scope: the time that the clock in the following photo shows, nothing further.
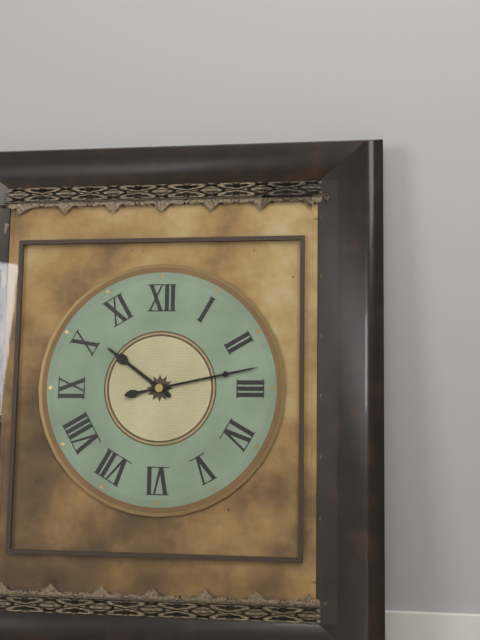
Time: **10:13**
